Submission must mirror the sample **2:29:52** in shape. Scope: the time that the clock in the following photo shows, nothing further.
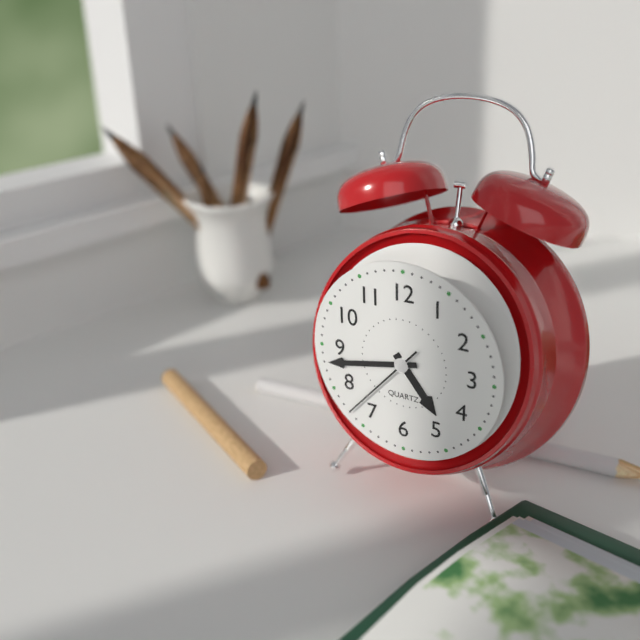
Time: **4:43:37**
